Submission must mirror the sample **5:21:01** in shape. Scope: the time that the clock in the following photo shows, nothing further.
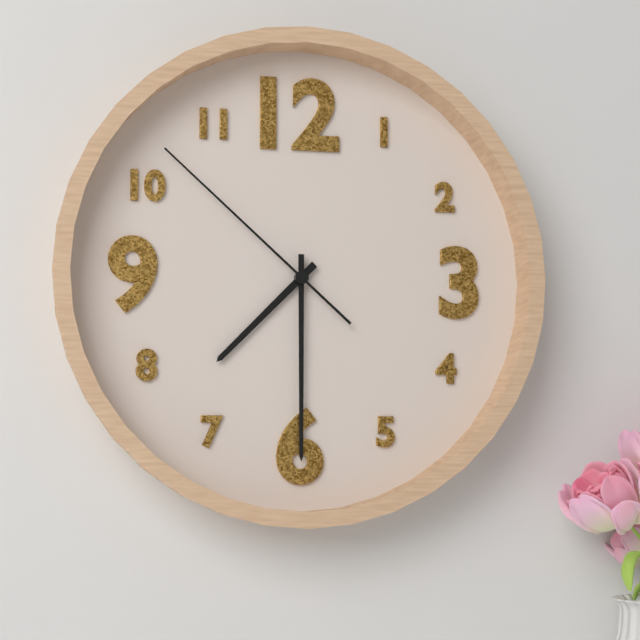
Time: **7:30:52**
